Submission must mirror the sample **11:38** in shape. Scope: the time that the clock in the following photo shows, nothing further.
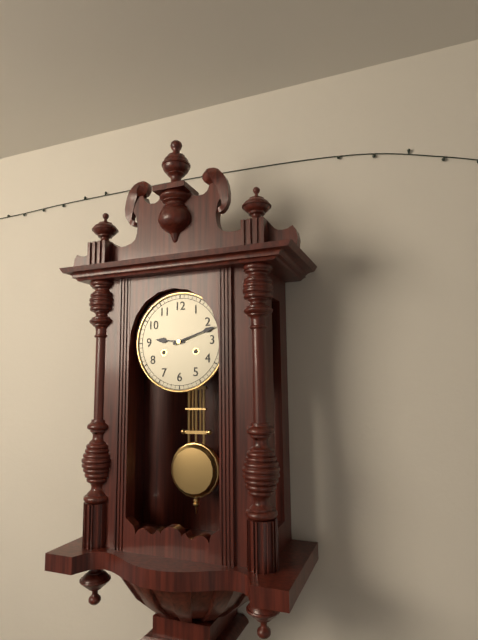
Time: **9:12**
